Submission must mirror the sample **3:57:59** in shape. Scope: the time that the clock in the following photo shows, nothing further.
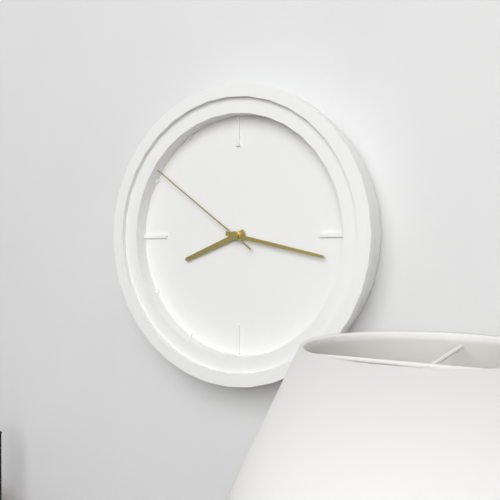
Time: **8:17:51**
